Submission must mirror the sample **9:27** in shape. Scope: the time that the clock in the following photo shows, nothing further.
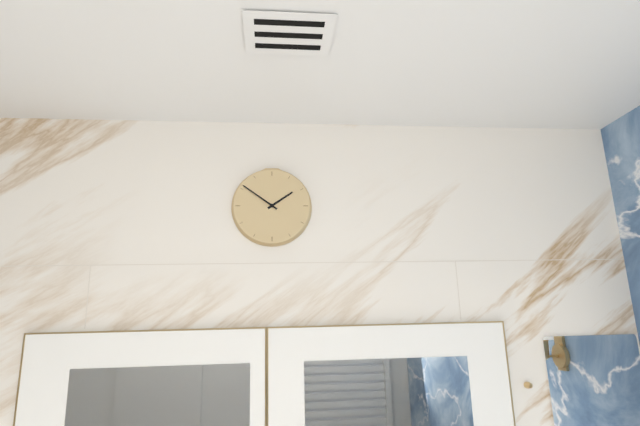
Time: **1:51**
